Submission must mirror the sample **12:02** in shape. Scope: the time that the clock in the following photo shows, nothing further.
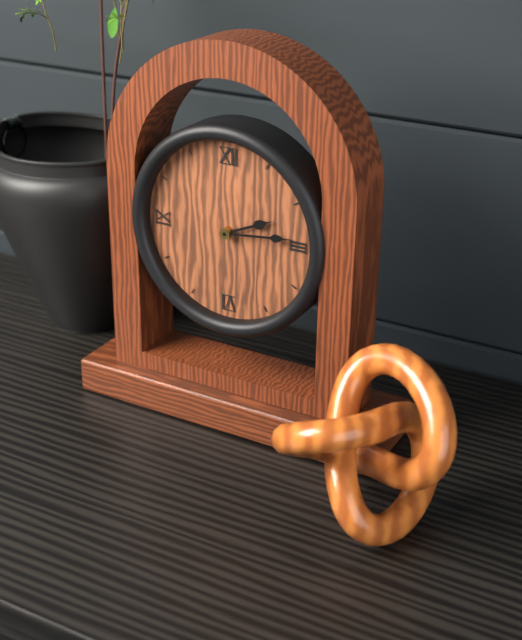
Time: **2:14**
